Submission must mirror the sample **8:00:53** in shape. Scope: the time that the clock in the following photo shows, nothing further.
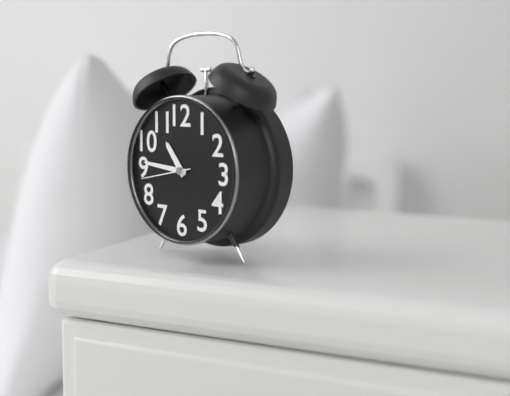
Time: **10:46:43**
